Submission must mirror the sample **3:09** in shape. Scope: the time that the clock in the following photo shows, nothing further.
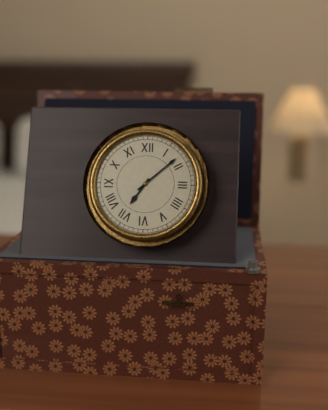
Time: **7:08**
